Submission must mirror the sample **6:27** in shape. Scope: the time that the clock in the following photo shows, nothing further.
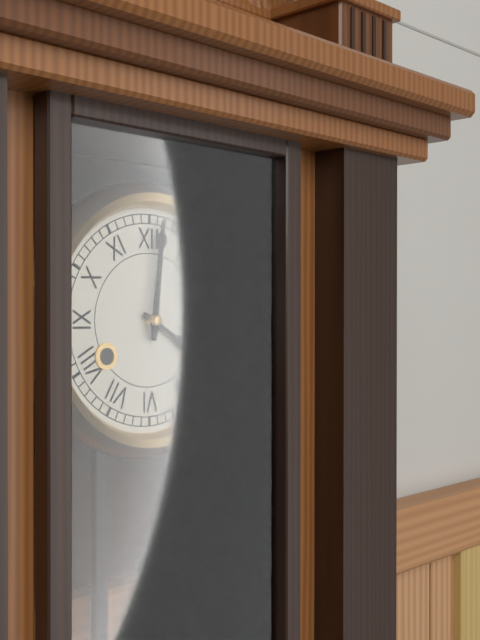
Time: **4:01**
